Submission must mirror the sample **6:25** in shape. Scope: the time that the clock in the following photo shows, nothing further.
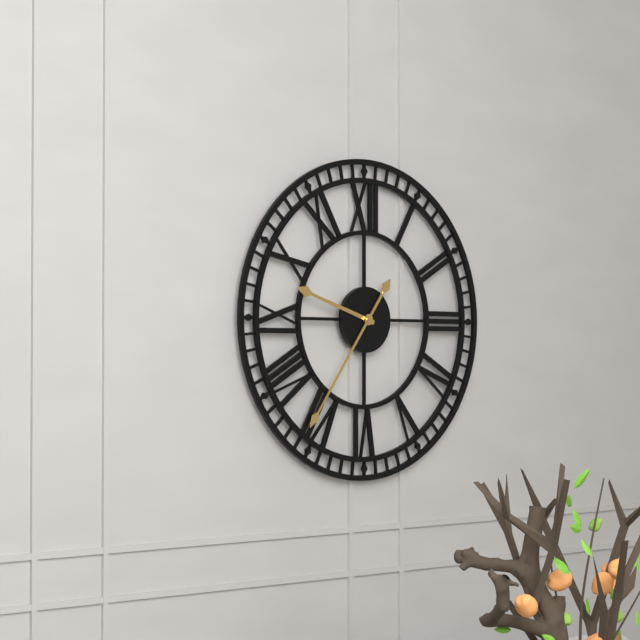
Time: **9:36**
